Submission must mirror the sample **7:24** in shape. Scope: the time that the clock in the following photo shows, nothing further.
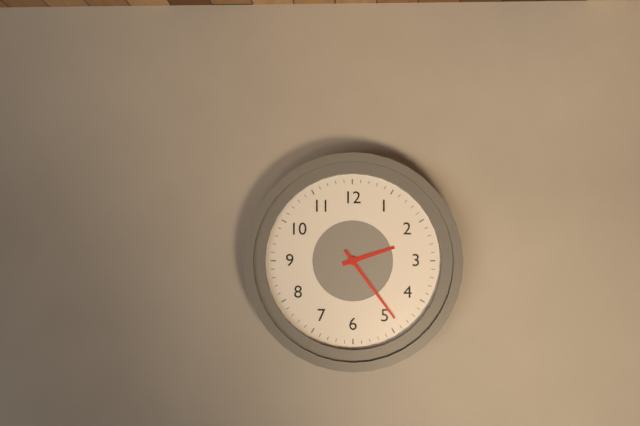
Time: **2:24**
